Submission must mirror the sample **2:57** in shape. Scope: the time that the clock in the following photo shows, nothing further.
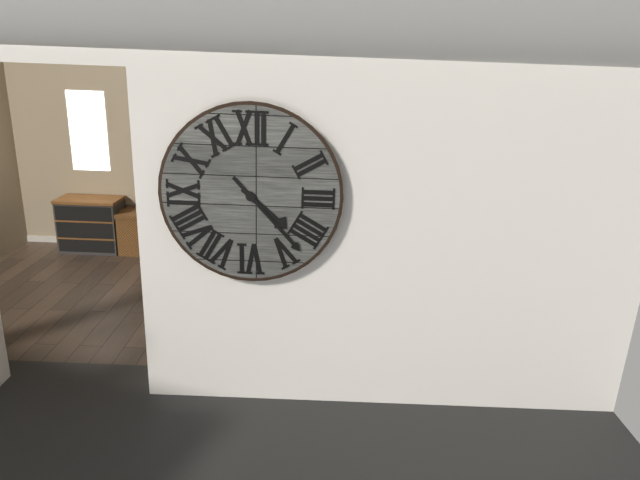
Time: **4:23**
